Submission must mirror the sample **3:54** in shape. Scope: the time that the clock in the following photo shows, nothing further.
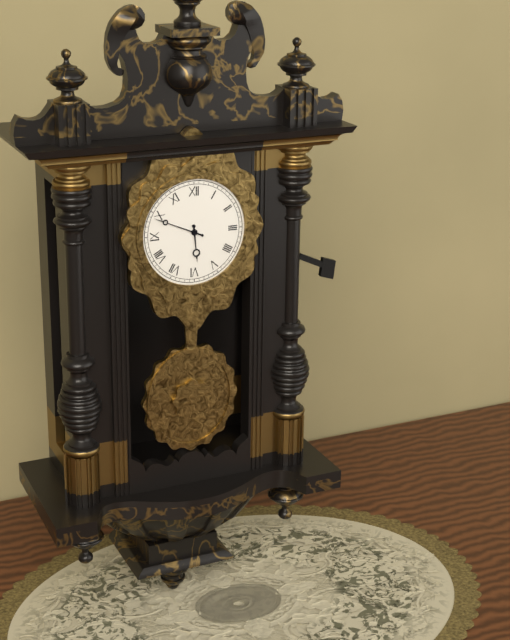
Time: **5:49**
